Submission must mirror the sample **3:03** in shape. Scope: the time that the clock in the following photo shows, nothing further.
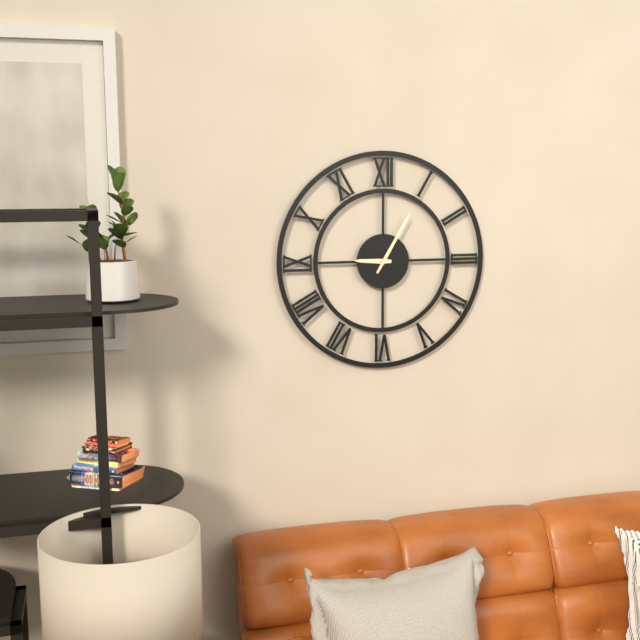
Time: **9:05**
